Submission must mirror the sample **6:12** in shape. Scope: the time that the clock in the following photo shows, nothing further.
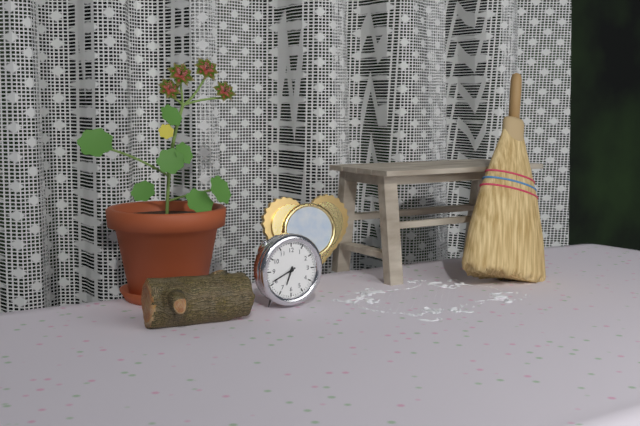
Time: **6:41**
